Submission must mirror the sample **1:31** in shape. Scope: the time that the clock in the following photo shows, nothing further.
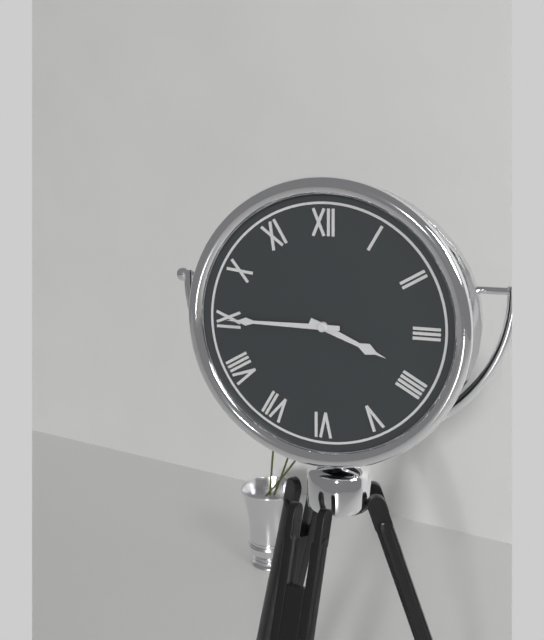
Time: **3:45**
